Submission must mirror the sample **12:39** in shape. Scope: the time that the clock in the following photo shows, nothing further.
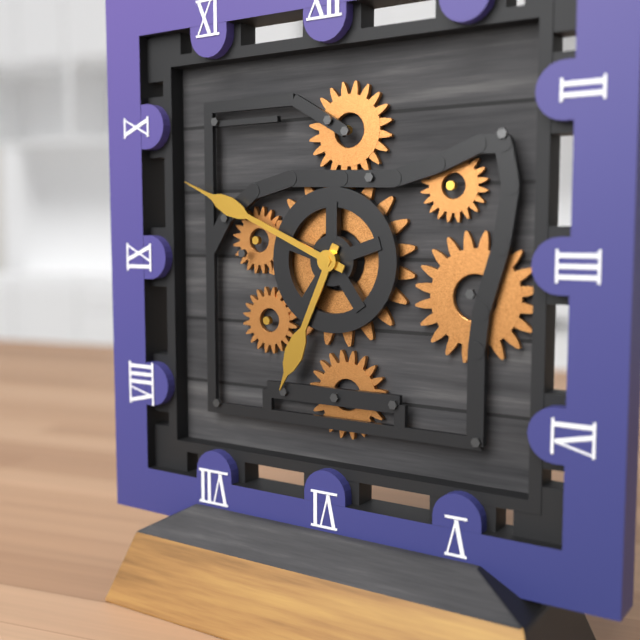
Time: **6:49**
